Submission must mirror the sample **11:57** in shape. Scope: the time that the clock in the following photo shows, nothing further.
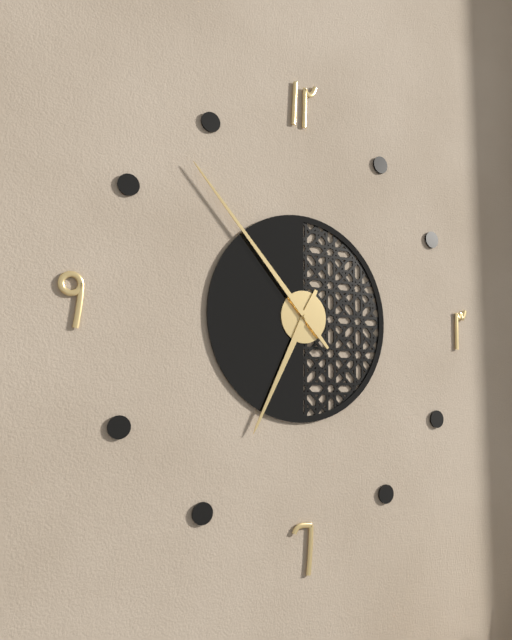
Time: **6:53**
